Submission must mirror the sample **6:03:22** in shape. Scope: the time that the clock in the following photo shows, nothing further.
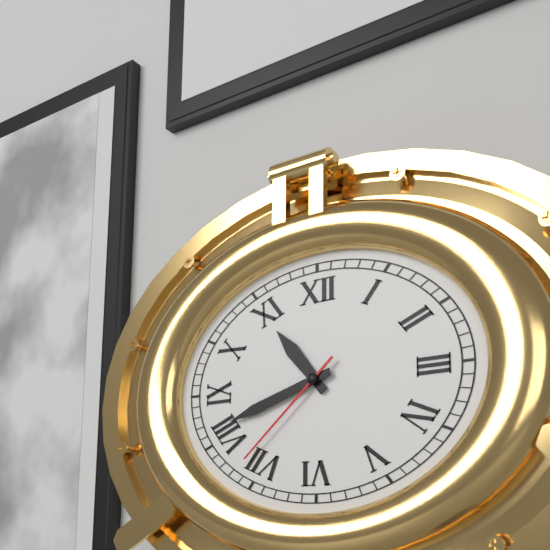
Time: **10:42:38**
